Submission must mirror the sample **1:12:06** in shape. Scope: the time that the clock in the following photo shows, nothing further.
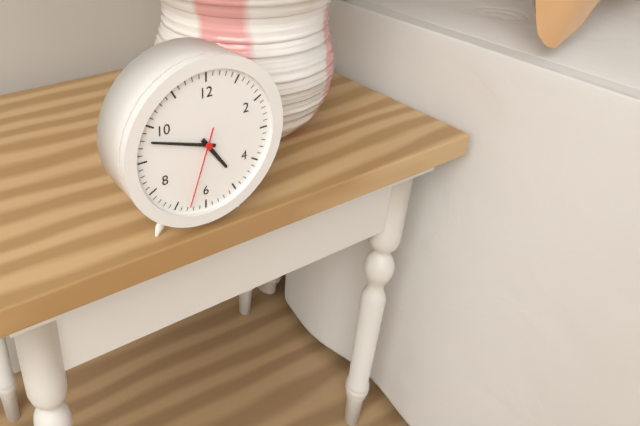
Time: **4:48:33**
